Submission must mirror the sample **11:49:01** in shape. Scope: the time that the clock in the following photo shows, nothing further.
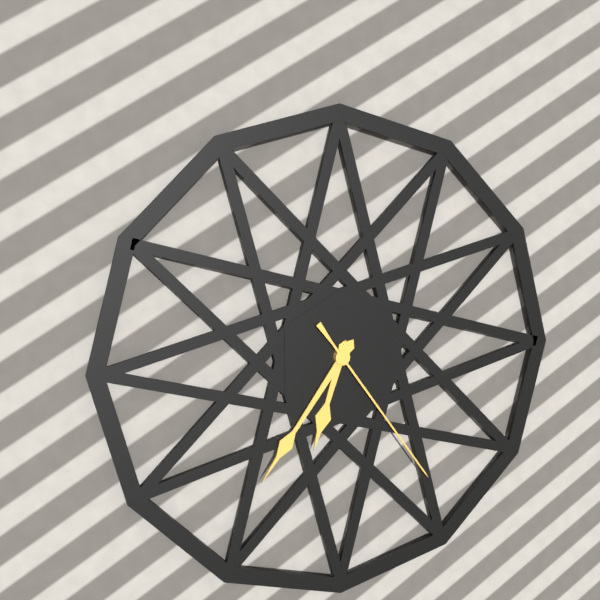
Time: **6:36:24**
